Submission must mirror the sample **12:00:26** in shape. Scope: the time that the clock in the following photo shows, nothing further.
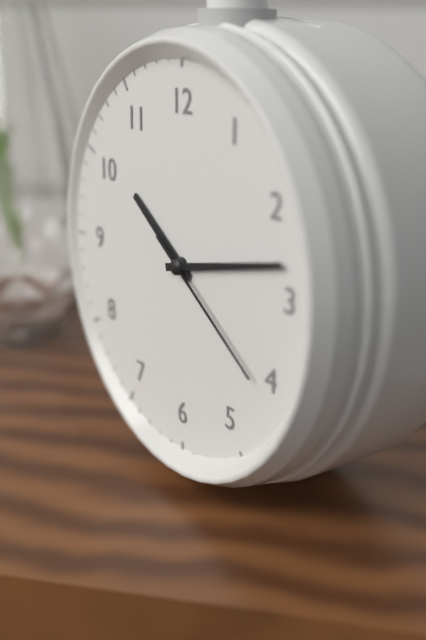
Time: **10:13:21**
